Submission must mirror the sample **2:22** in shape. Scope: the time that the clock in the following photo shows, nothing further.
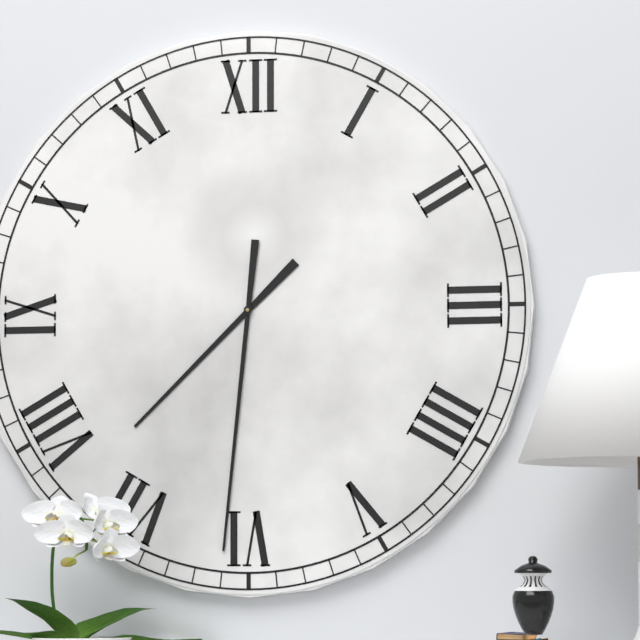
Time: **7:31**
